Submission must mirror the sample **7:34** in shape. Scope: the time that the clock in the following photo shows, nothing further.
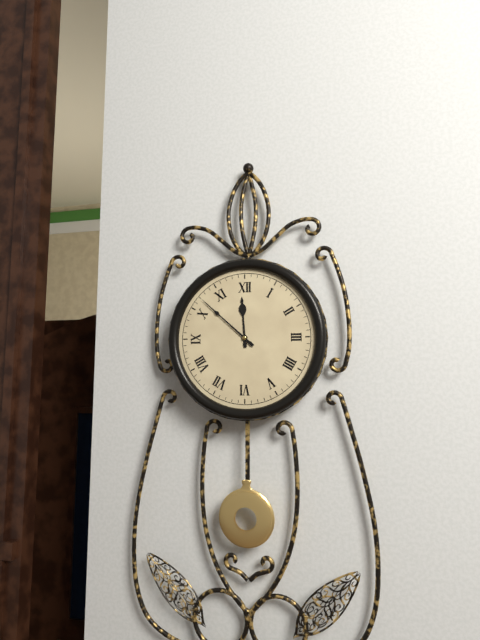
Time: **11:52**
